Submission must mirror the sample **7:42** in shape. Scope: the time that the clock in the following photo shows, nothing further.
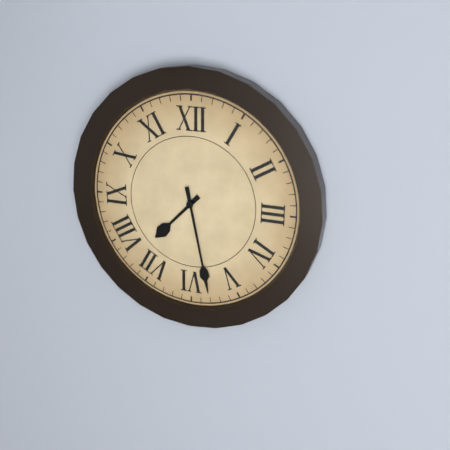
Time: **7:28**
